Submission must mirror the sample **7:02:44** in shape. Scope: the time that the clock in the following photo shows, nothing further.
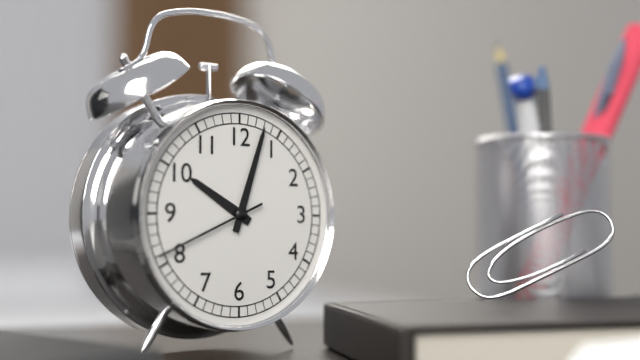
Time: **10:03:41**
